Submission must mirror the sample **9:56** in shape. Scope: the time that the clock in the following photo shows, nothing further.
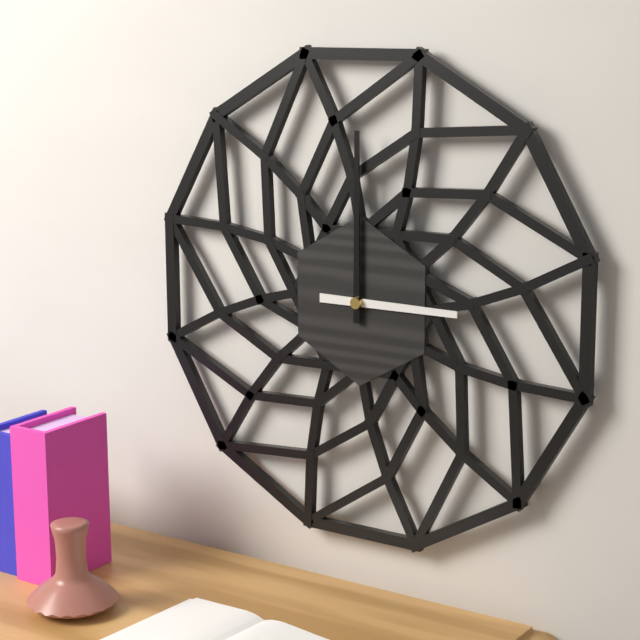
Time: **3:00**
